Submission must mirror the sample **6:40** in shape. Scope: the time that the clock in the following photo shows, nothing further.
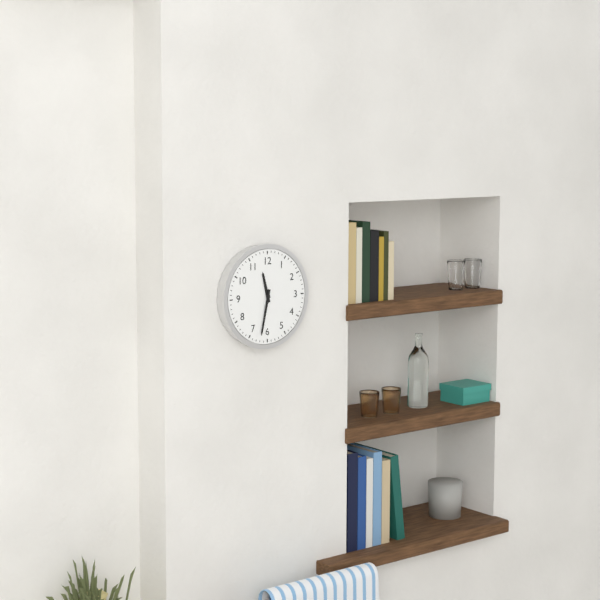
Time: **11:32**
